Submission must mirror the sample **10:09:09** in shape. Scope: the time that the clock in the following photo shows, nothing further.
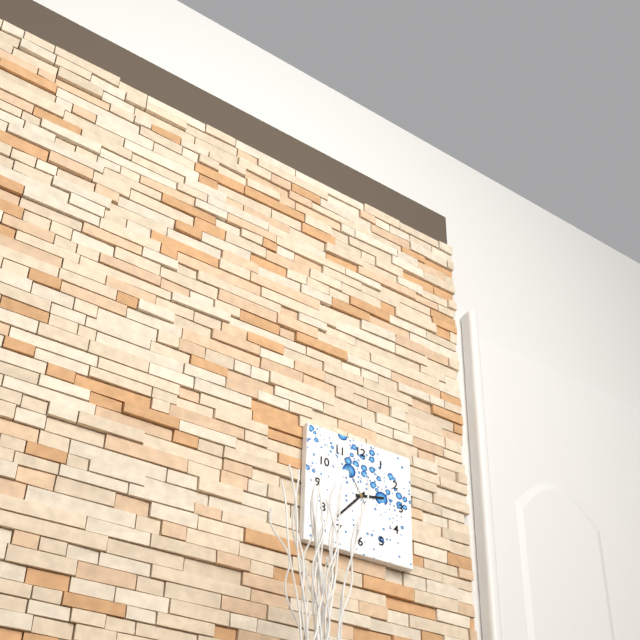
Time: **2:37:55**
